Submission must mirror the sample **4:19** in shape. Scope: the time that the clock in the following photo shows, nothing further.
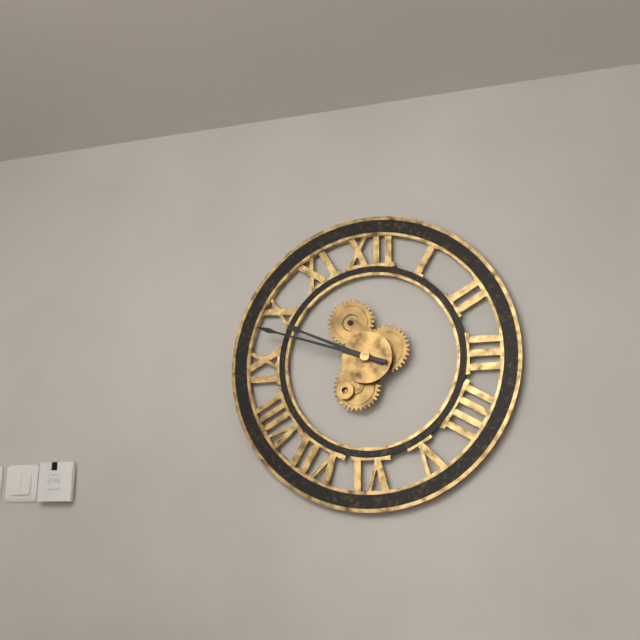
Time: **9:48**
